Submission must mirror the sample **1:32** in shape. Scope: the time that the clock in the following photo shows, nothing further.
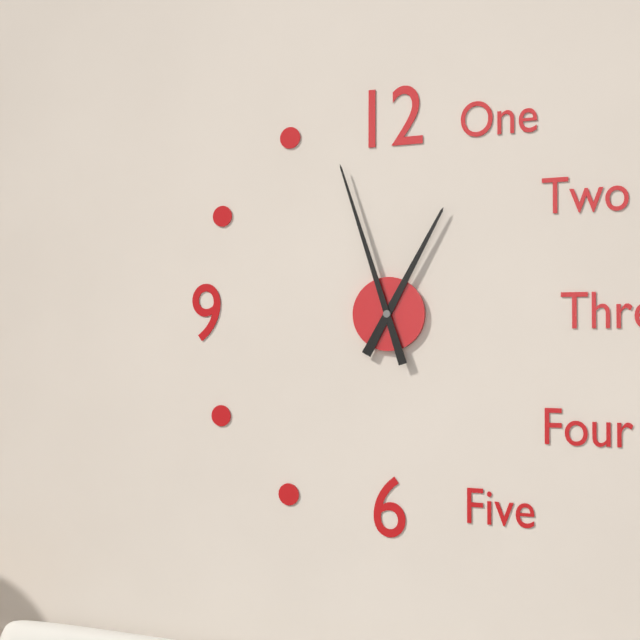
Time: **12:57**
